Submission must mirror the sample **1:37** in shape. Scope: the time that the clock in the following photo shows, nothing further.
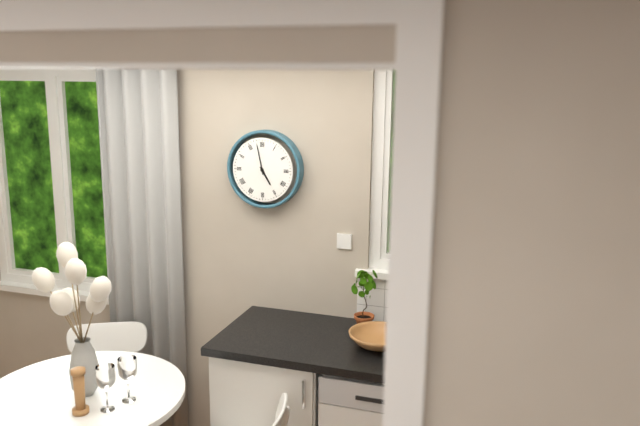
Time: **4:58**
